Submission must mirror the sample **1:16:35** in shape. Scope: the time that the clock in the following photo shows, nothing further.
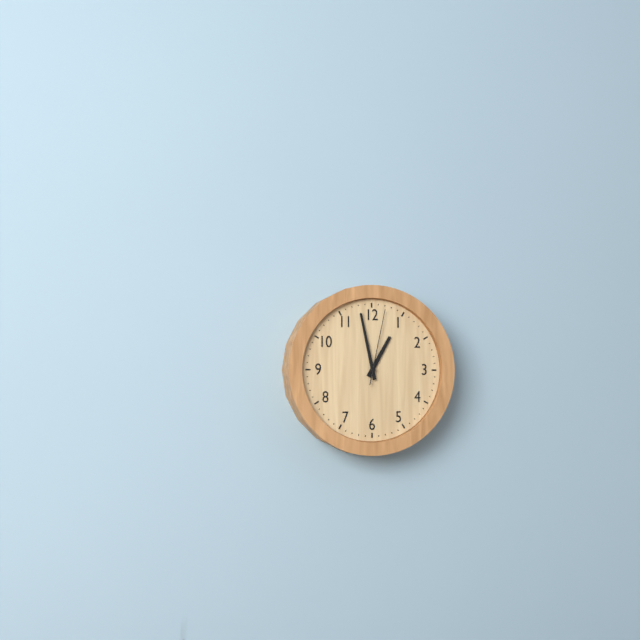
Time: **12:58:02**
